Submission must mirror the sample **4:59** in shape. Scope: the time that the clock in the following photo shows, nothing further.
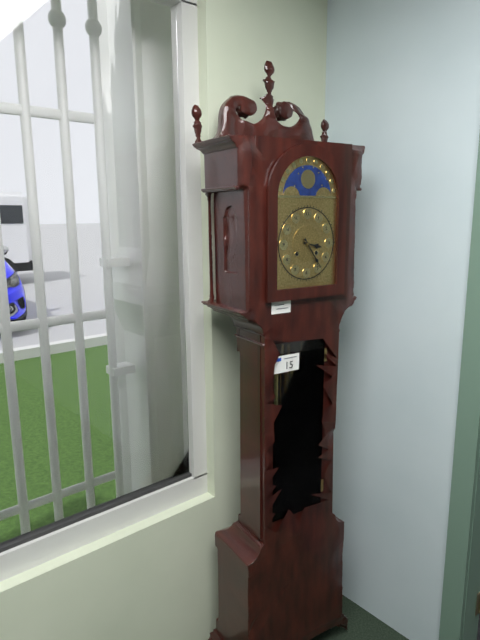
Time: **3:24**
